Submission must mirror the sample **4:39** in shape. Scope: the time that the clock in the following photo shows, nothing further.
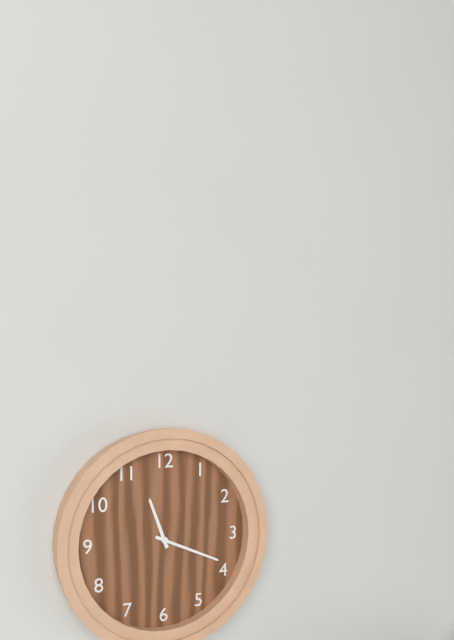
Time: **11:19**
